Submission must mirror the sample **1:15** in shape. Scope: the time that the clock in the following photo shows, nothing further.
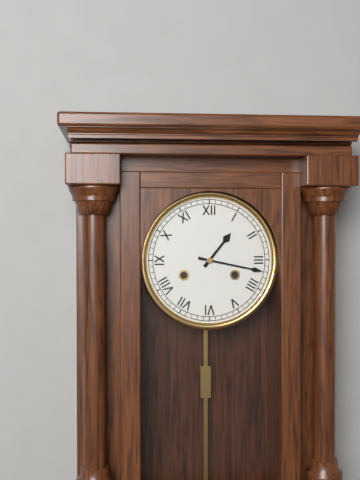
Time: **1:17**
